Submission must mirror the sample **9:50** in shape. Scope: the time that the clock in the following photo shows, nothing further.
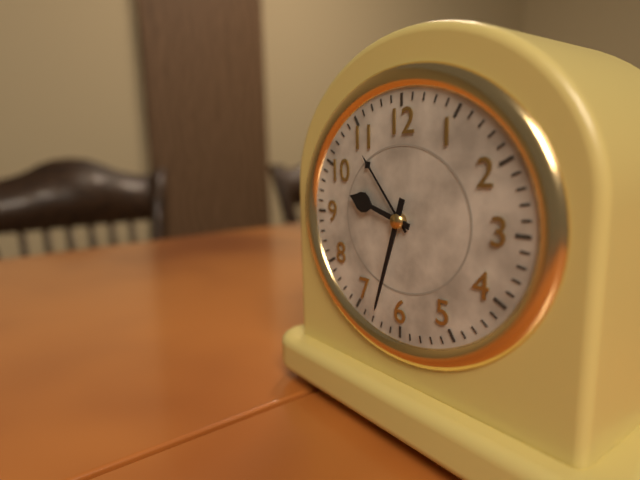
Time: **9:33**
